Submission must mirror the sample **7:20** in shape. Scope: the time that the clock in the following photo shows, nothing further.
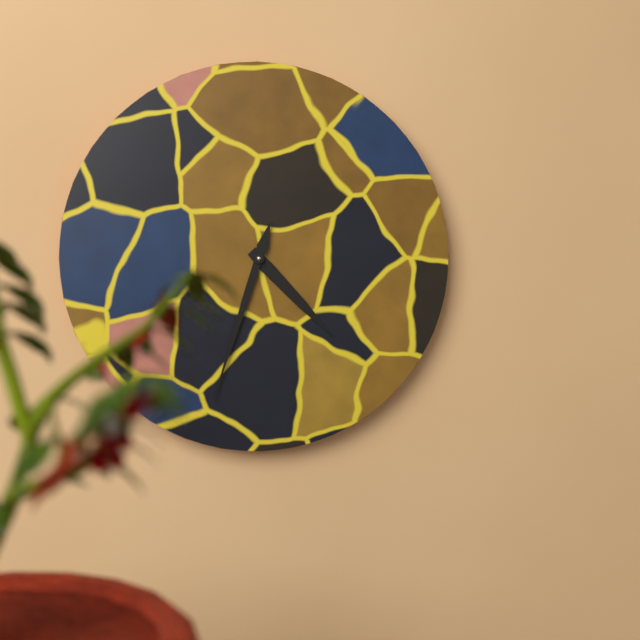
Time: **4:33**
